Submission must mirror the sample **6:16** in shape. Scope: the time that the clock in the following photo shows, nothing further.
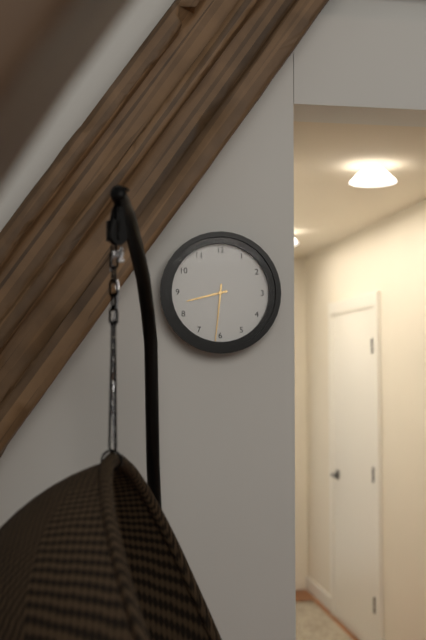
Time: **8:31**
